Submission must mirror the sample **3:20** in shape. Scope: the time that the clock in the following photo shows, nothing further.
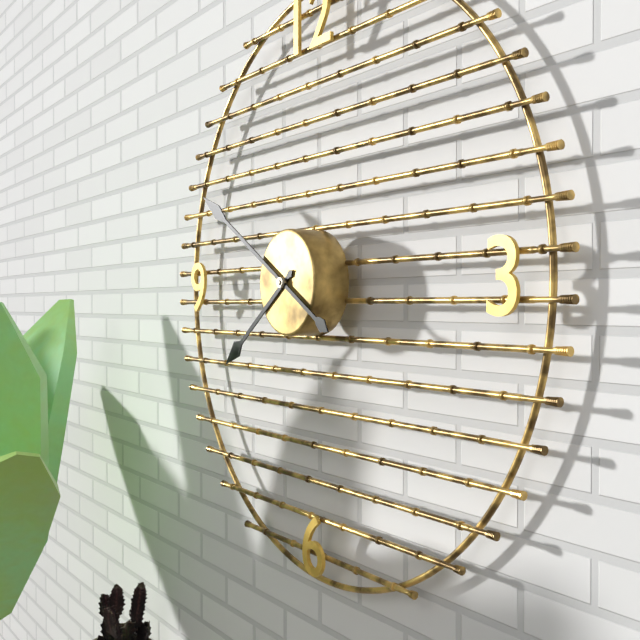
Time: **7:50**
